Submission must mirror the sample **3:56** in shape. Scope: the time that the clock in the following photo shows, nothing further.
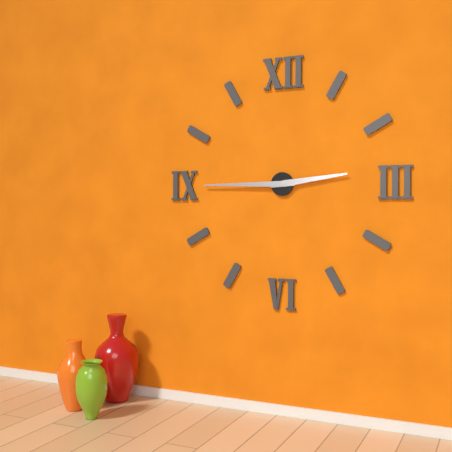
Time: **2:45**
